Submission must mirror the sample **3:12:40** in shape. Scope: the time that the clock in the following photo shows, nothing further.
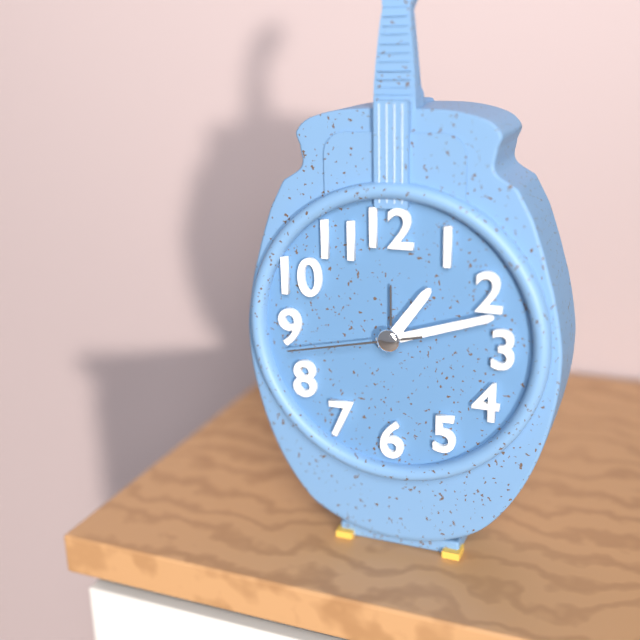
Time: **1:12:43**
